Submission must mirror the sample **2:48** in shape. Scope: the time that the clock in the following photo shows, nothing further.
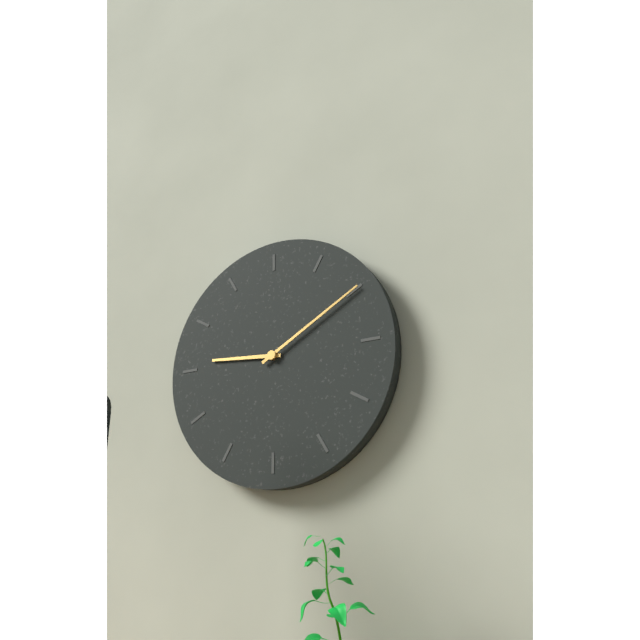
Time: **9:10**
